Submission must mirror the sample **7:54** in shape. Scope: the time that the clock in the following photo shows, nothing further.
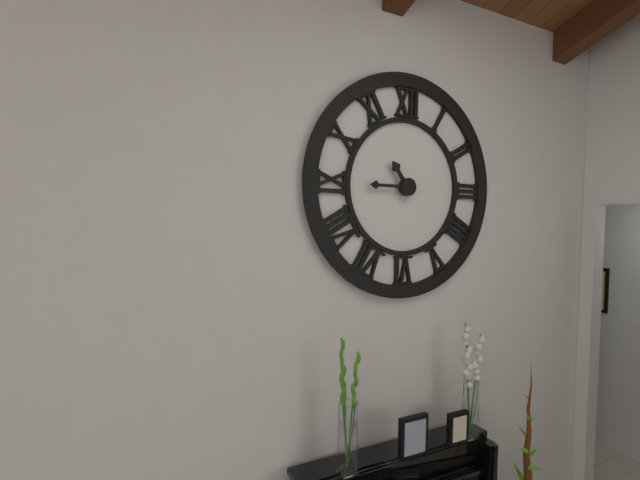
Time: **10:45**
